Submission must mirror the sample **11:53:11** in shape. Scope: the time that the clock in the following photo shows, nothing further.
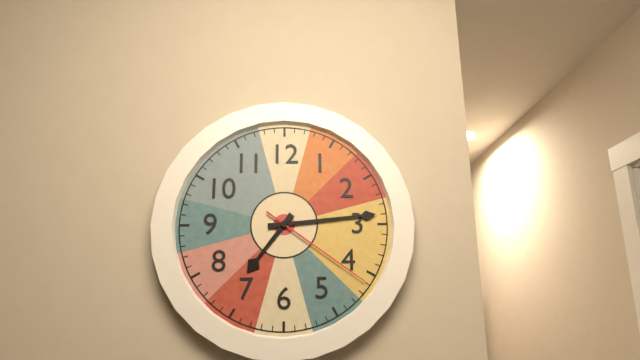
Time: **7:14:21**
